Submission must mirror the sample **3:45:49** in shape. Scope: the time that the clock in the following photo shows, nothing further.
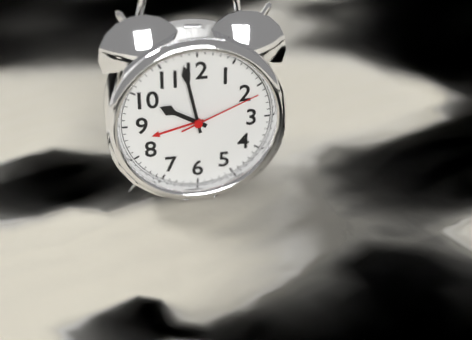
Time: **9:58:11**
